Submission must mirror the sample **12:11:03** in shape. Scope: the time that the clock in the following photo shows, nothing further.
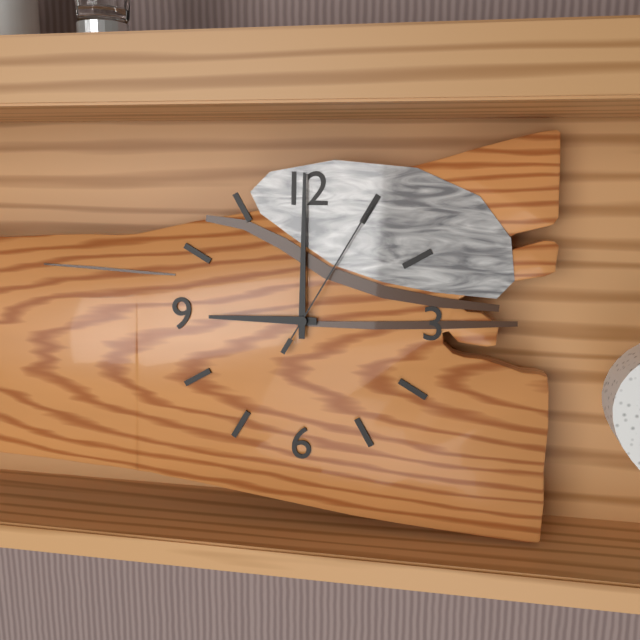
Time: **9:00:05**
